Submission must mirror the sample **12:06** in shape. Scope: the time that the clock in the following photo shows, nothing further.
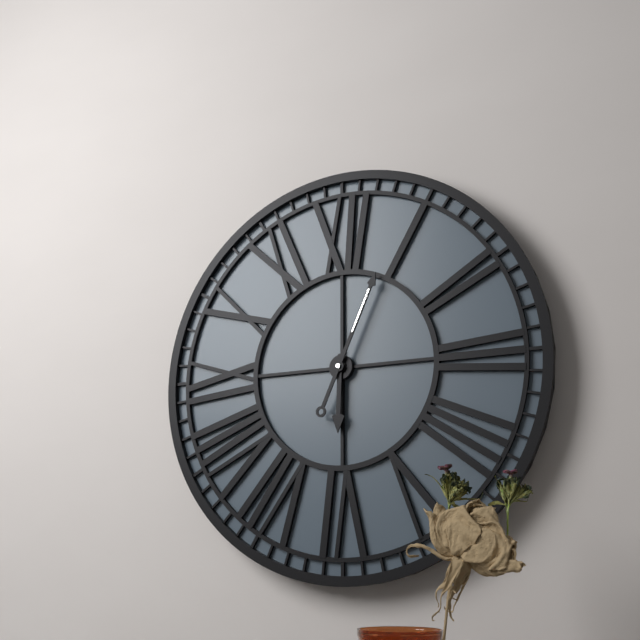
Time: **6:04**
